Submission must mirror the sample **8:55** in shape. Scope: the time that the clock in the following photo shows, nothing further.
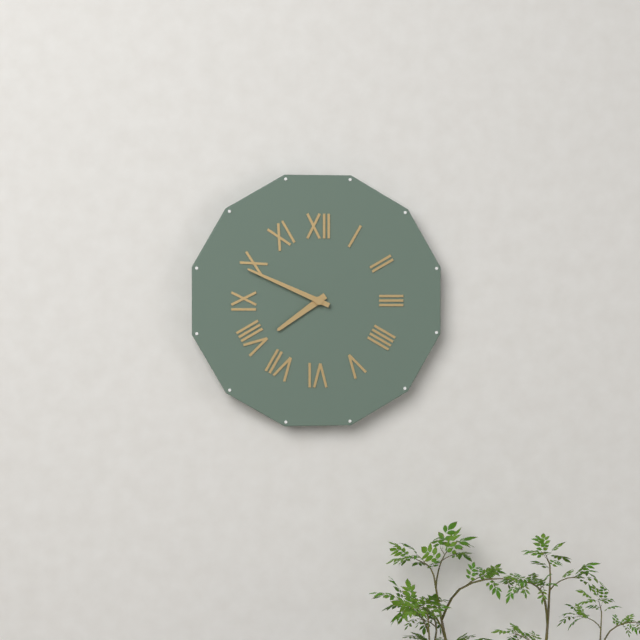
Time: **7:49**
